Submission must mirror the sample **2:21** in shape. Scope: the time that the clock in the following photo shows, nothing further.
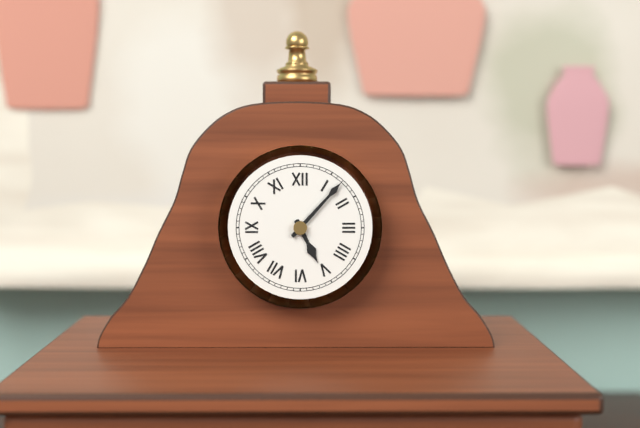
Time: **5:07**
